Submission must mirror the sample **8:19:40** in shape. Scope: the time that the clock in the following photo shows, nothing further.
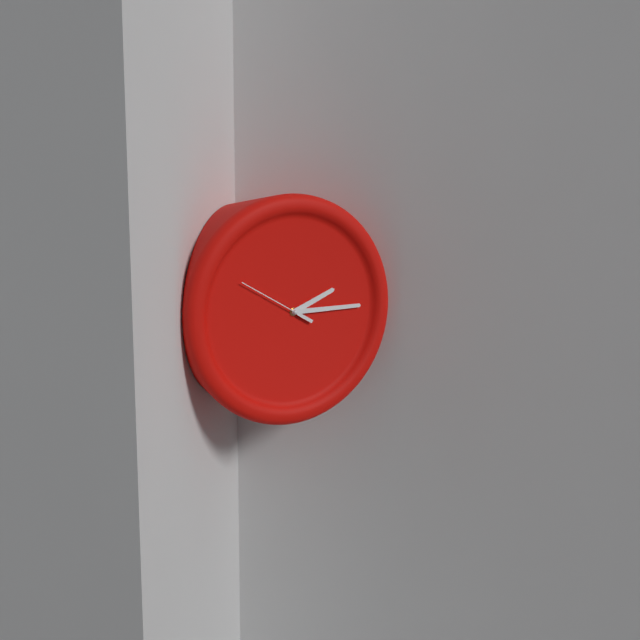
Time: **2:15:50**
